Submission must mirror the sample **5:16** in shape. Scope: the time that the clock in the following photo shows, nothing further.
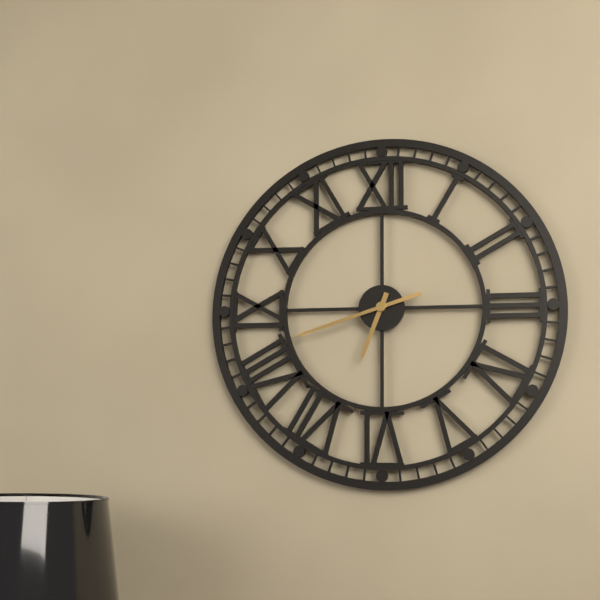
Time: **6:42**
